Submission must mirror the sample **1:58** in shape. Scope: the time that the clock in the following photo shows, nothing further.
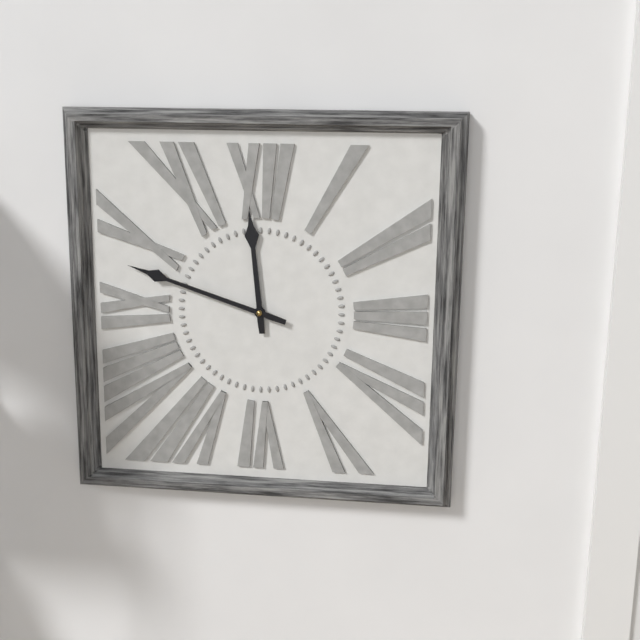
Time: **11:48**
